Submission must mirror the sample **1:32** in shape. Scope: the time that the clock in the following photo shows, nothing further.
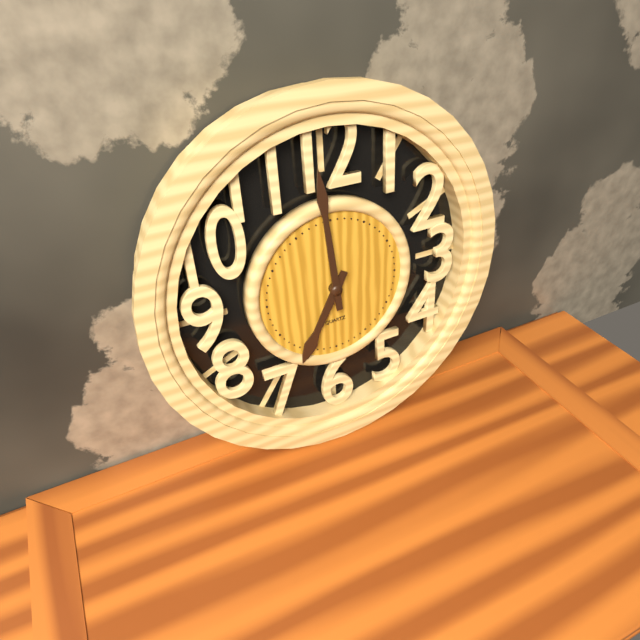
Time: **6:59**
